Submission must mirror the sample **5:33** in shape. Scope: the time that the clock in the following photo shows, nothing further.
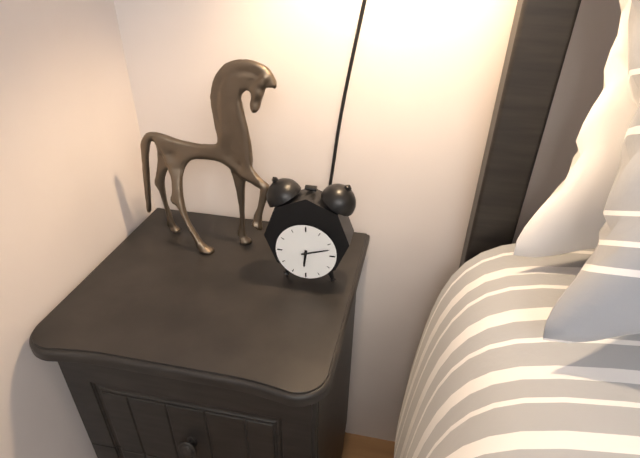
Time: **6:12**
